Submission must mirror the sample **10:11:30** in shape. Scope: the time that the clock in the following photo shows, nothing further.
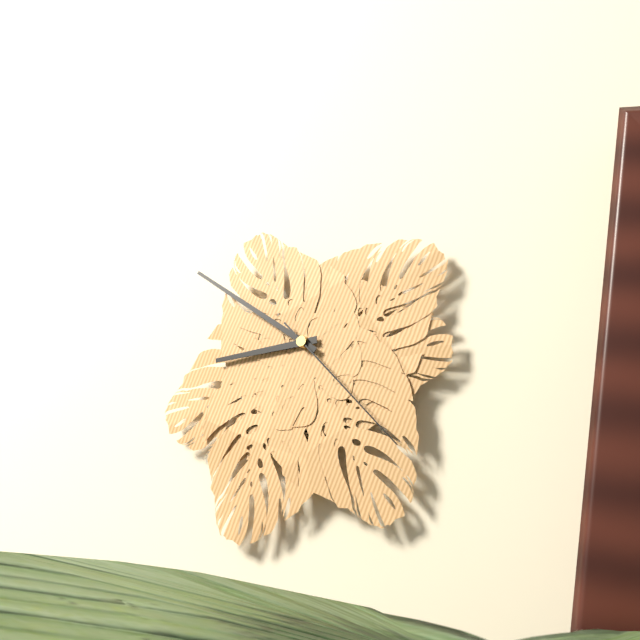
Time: **8:51:23**
